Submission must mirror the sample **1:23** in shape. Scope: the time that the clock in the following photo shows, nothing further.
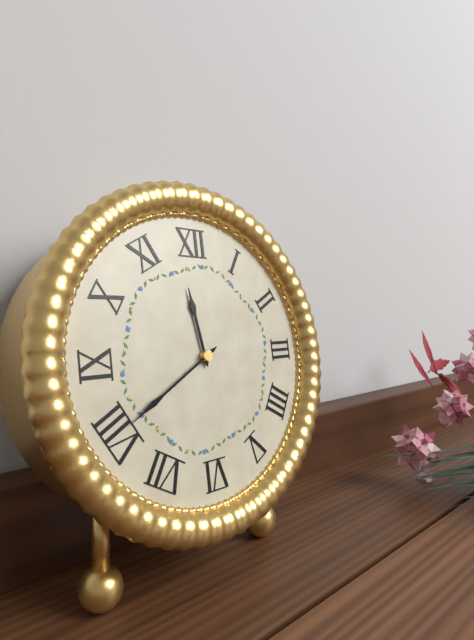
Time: **11:40**
